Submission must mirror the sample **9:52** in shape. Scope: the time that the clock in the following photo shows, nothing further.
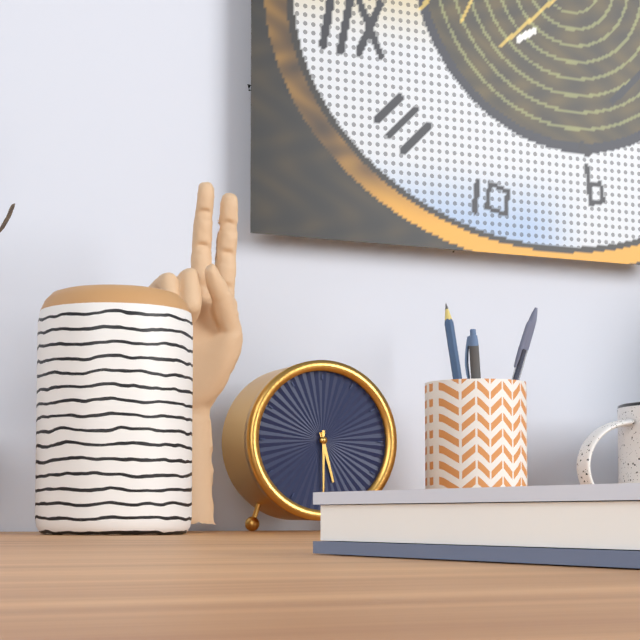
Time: **5:30**
